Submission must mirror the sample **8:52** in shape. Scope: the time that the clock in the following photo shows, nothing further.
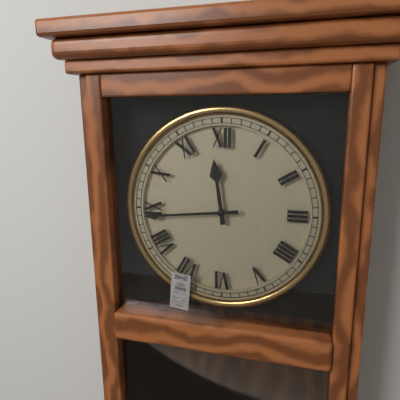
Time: **11:44**
